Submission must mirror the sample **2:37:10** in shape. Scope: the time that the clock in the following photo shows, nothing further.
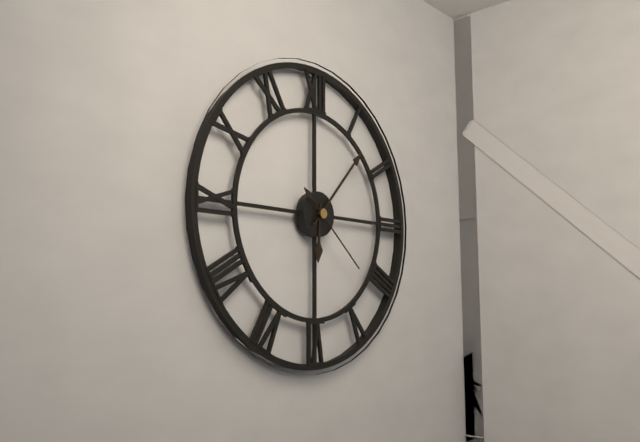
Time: **6:07:22**
